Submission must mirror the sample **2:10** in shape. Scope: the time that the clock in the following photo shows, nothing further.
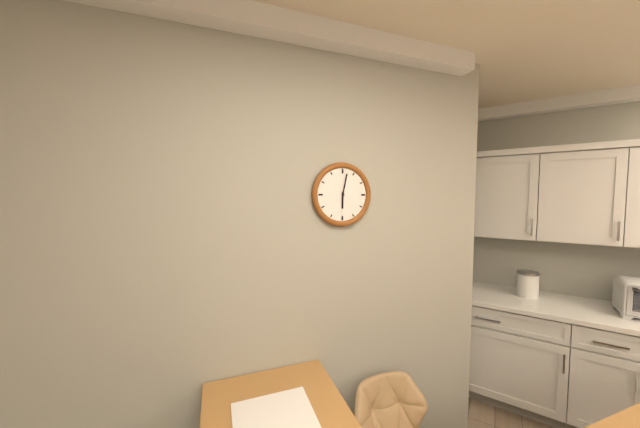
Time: **6:02**
